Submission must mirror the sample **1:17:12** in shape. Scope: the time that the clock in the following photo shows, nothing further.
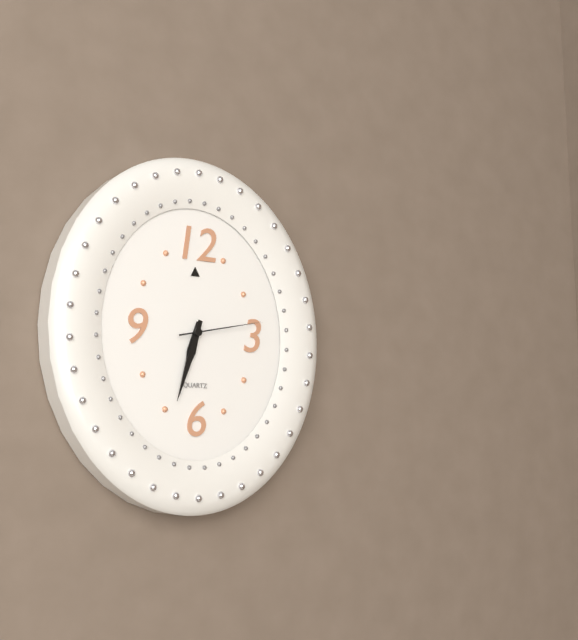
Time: **6:33:13**
